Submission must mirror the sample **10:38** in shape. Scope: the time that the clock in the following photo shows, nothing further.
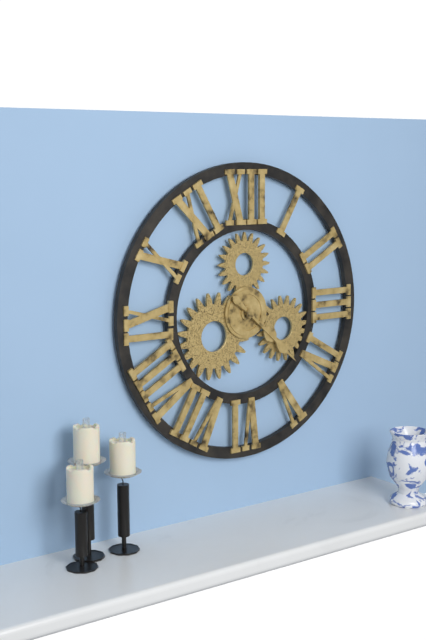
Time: **4:22**
